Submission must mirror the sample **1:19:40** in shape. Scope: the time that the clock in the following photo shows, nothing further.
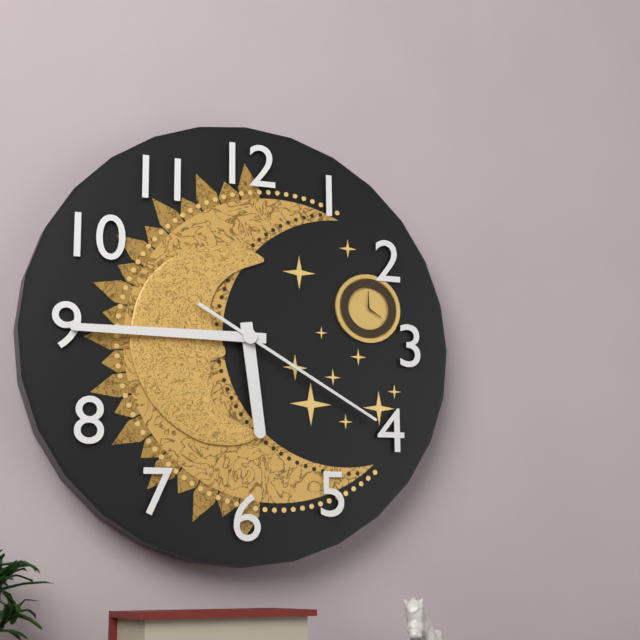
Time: **5:45:20**
